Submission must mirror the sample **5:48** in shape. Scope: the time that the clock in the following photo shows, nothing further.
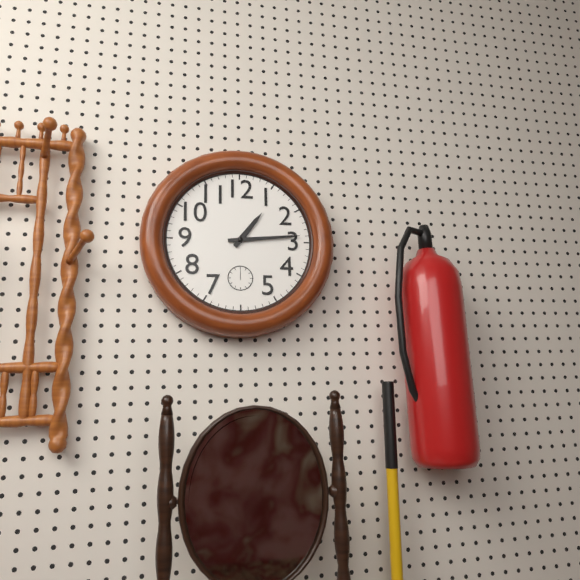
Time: **1:14**
